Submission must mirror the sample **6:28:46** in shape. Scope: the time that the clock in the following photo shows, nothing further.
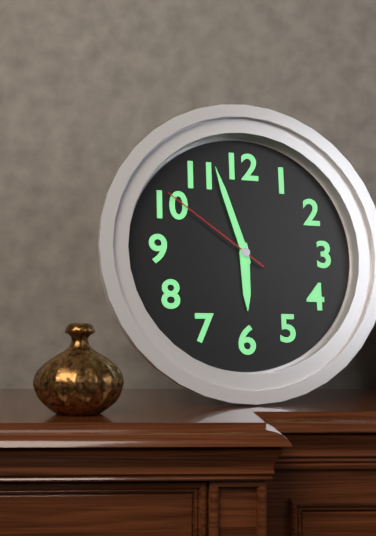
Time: **5:57:51**
